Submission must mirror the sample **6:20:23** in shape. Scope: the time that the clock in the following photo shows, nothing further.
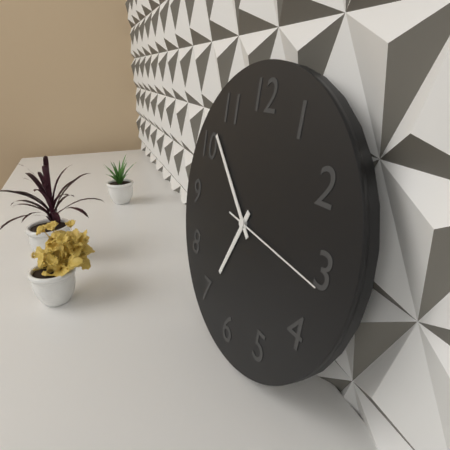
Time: **6:52:16**
